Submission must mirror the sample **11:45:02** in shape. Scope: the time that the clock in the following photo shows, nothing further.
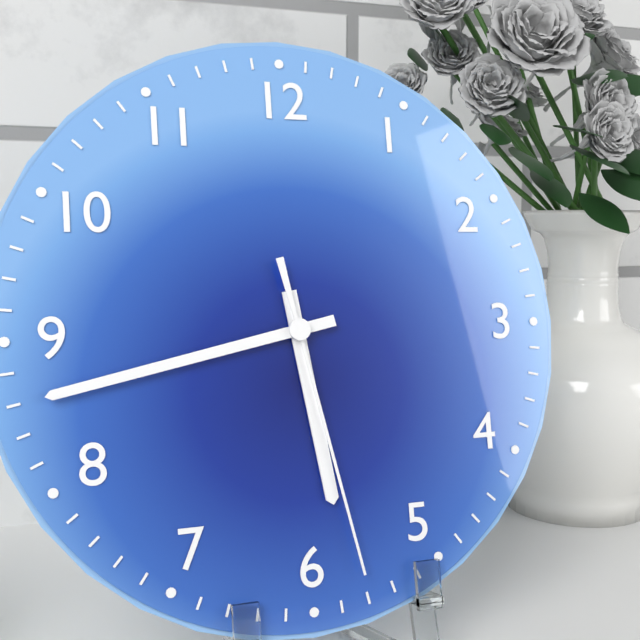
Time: **5:43:28**
